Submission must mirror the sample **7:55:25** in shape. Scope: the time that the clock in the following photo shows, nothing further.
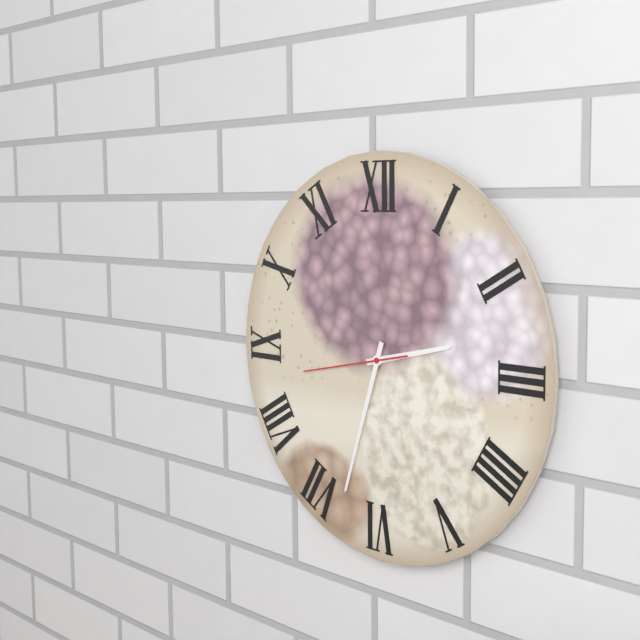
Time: **2:33:43**
